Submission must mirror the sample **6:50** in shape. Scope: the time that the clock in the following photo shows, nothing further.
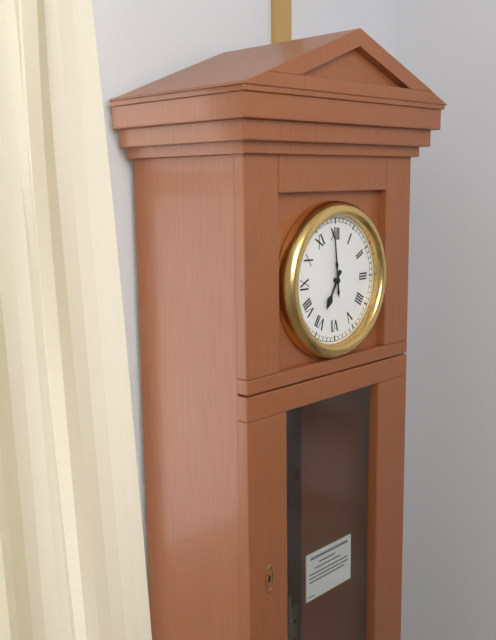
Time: **6:59**
